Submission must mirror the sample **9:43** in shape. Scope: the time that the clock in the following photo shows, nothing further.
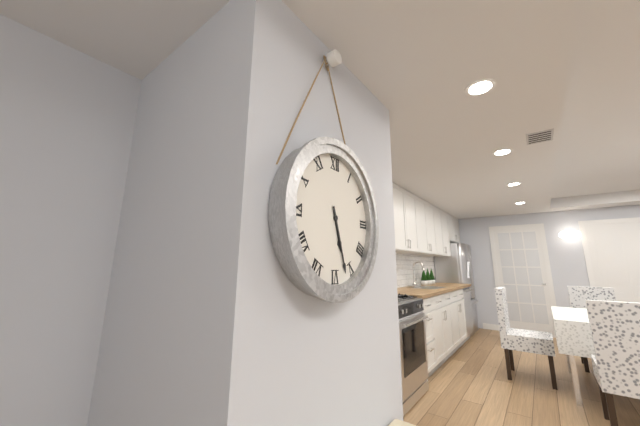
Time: **5:27**
